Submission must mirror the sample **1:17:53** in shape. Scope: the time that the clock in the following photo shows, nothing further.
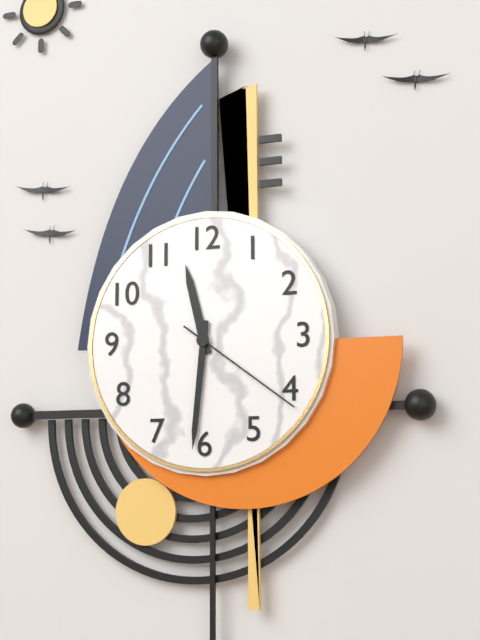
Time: **11:31:21**
